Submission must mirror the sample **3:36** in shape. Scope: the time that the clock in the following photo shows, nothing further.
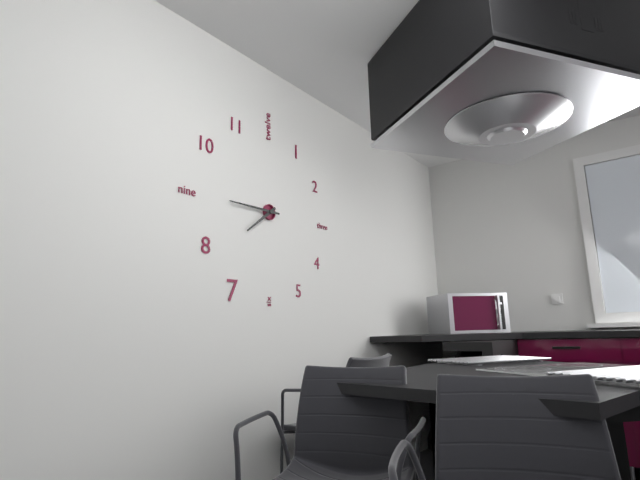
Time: **7:45**
